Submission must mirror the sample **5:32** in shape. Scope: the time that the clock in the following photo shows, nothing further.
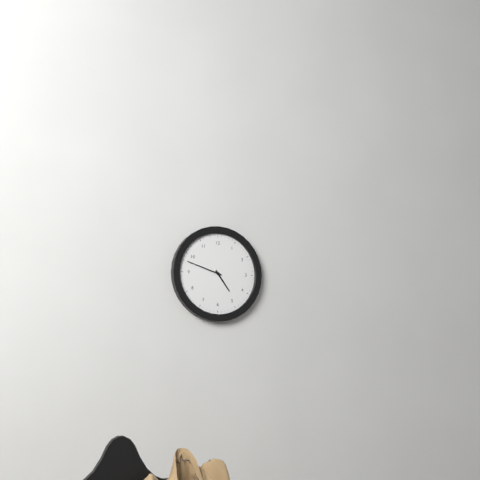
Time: **4:48**
